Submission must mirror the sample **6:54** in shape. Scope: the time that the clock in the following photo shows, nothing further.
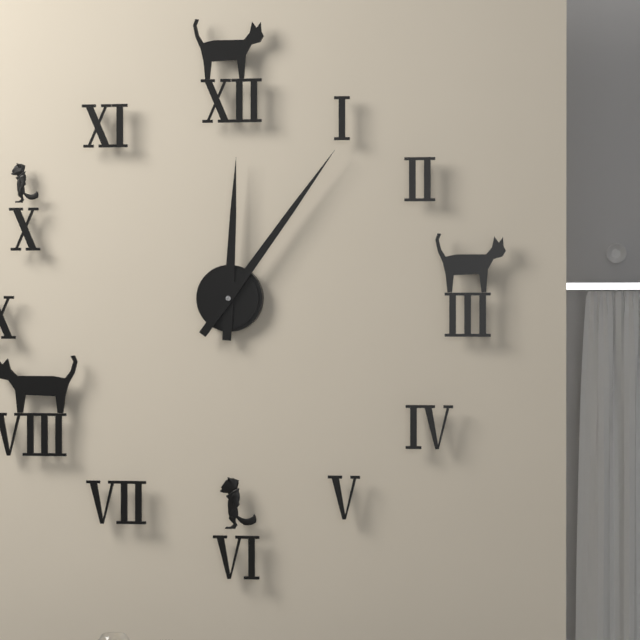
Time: **12:06**
